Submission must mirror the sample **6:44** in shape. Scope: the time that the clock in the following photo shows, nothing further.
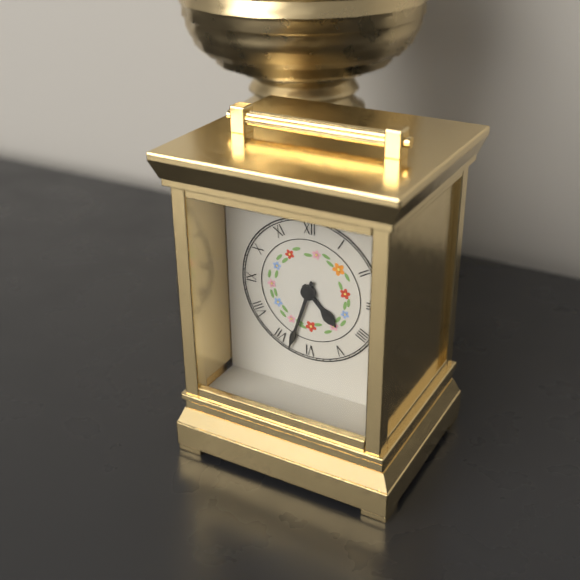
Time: **4:33**
